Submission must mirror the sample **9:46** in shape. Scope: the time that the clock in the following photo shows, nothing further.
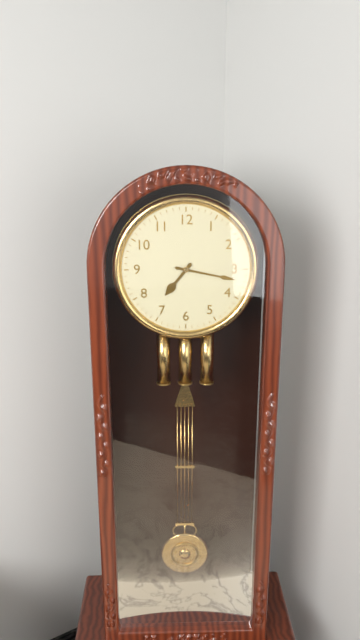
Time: **7:17**
